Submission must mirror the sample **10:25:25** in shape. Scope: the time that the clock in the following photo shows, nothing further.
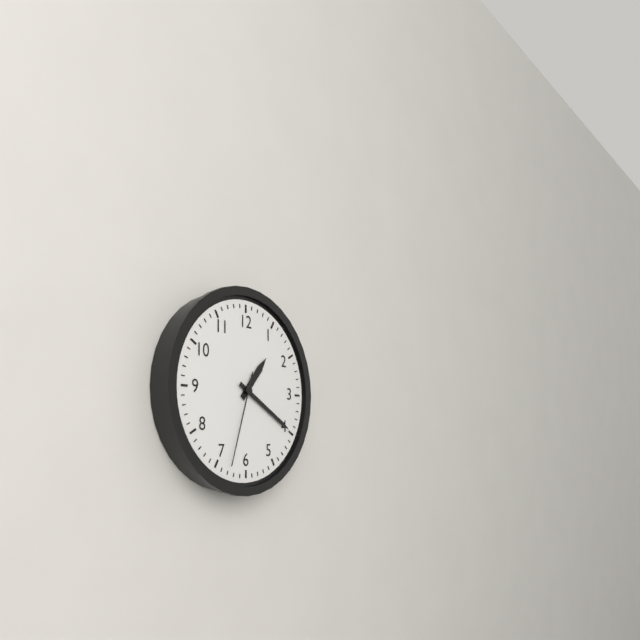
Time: **1:20:33**
